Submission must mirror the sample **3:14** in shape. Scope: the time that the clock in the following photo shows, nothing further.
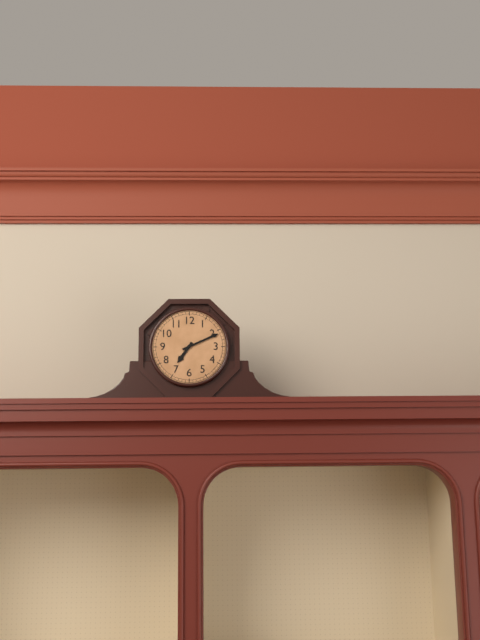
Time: **7:11**
